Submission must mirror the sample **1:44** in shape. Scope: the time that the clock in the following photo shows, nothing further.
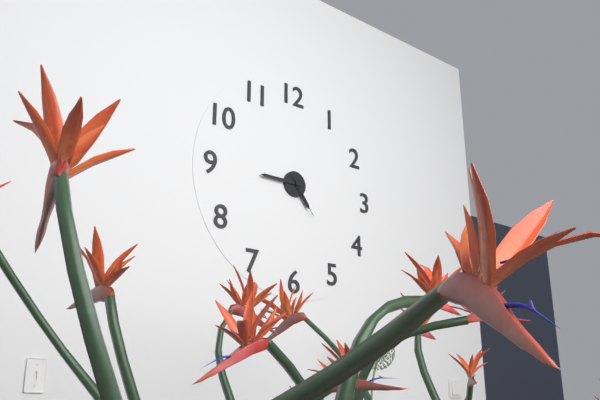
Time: **4:45**
